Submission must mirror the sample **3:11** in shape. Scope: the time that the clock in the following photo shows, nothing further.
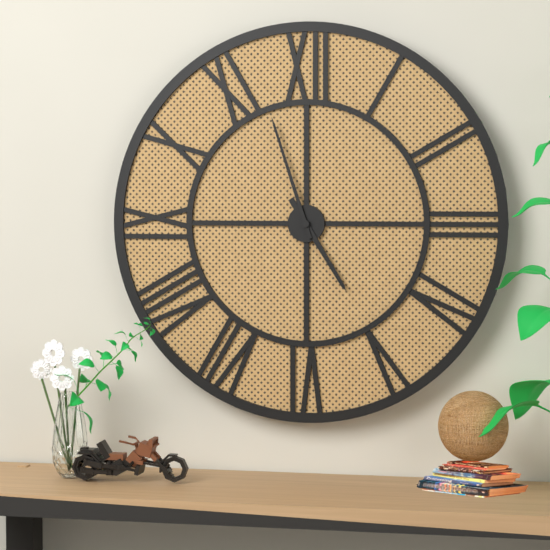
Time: **4:57**
